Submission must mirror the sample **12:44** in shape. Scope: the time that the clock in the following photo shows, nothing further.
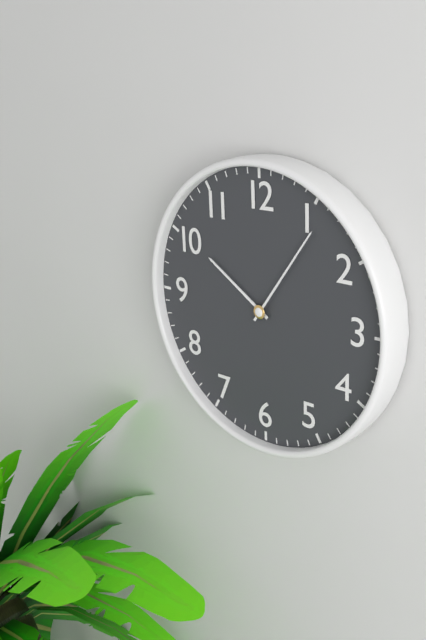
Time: **10:06**
